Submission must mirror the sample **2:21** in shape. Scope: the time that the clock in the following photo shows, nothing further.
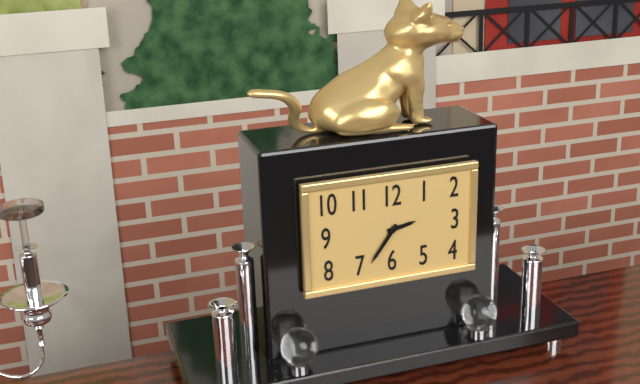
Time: **2:36**
